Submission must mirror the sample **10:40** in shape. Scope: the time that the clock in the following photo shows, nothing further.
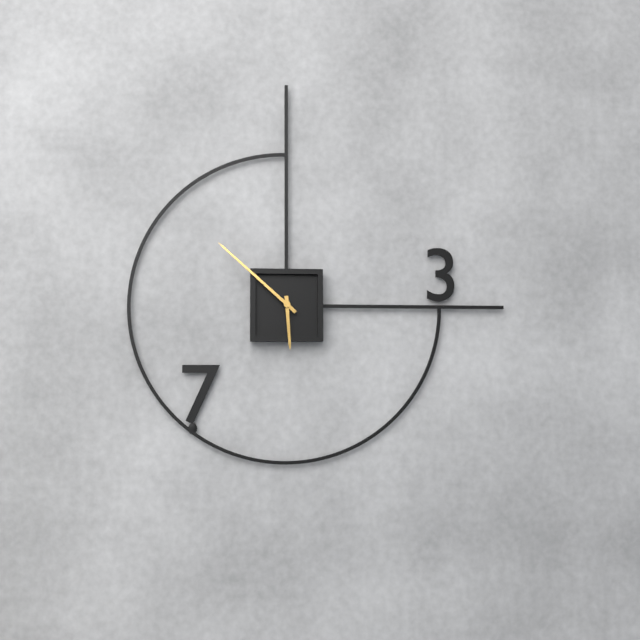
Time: **5:52**
